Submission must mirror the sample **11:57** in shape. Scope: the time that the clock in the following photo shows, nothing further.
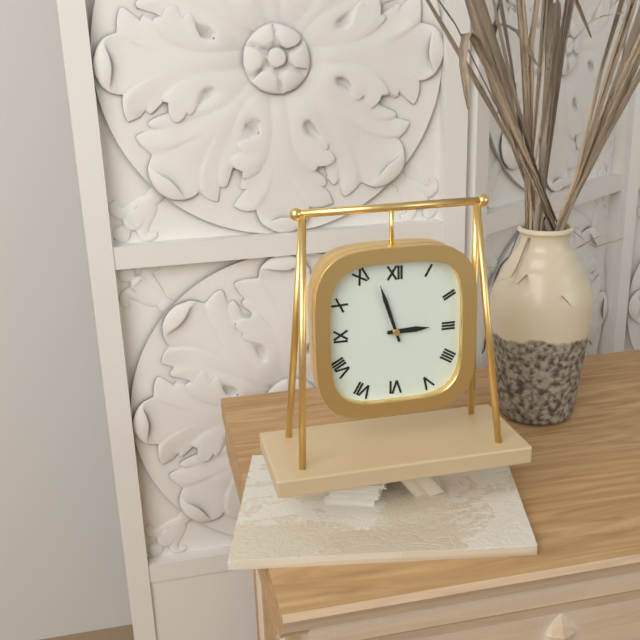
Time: **2:57**
